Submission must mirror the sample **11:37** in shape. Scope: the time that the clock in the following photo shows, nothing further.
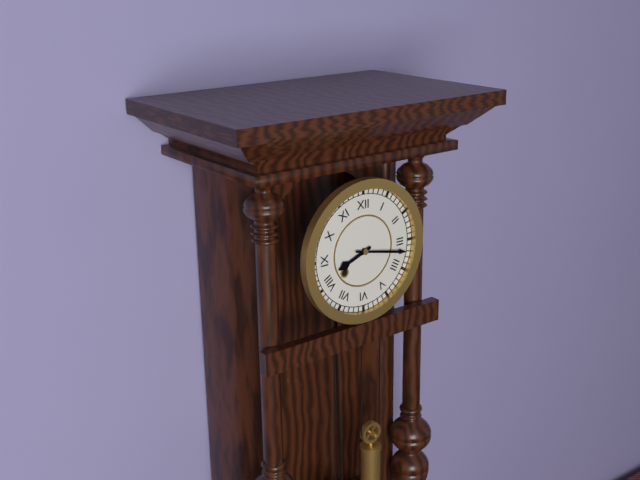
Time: **8:17**
